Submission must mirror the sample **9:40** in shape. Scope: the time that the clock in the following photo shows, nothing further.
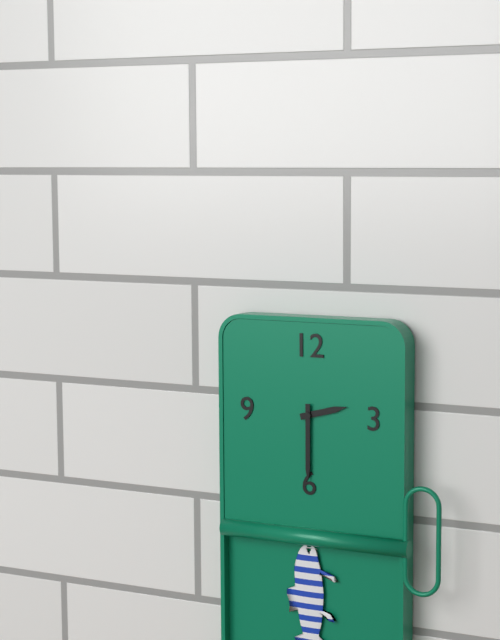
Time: **2:30**
